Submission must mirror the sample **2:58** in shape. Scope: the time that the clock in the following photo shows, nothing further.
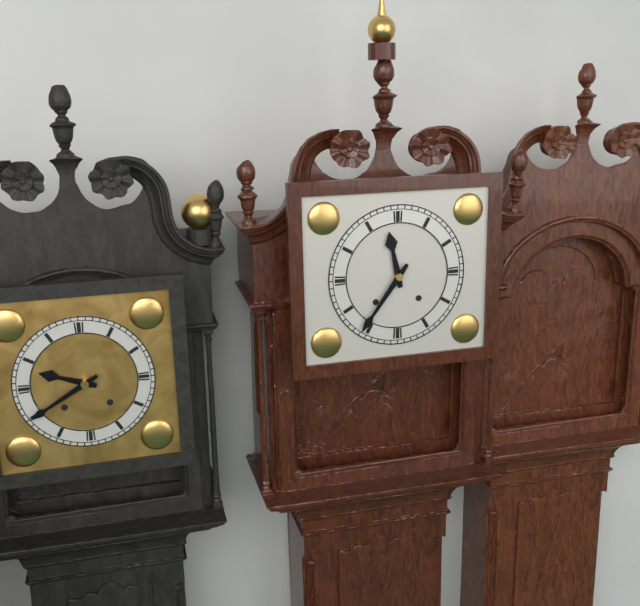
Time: **11:36**
